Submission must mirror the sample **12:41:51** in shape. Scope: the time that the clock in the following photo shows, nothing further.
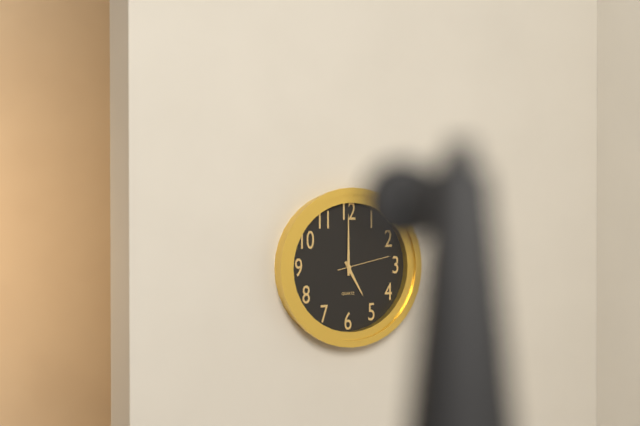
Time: **5:00:13**
